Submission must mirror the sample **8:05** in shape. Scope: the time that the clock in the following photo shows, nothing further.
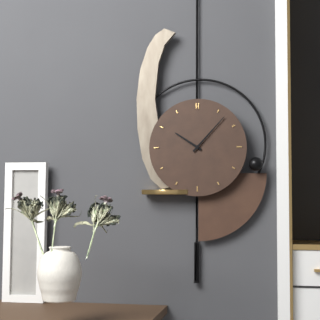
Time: **10:07**
